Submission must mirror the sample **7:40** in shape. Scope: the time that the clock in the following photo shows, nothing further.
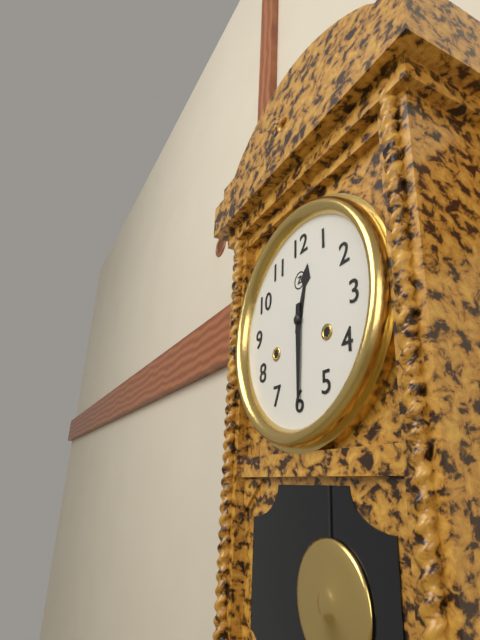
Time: **12:30**
